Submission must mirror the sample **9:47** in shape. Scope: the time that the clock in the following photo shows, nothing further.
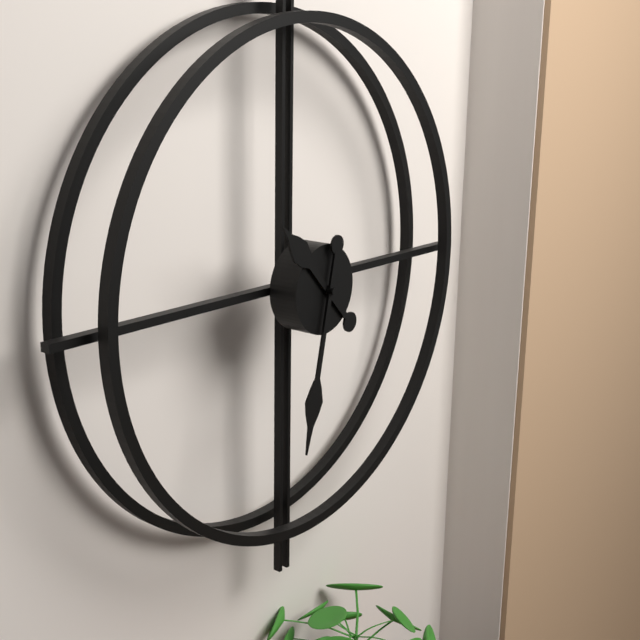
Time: **10:32**
